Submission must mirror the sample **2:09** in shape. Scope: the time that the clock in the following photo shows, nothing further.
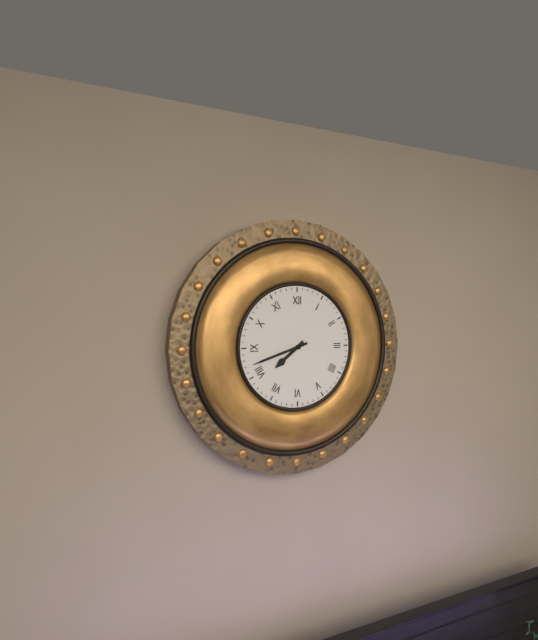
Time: **7:42**
